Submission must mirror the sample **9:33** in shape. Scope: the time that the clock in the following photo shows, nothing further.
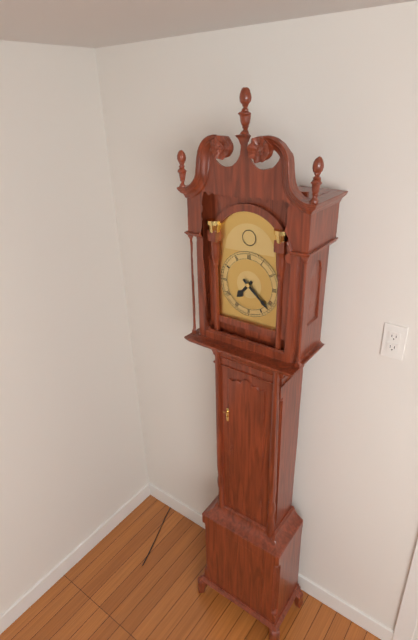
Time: **7:22**
